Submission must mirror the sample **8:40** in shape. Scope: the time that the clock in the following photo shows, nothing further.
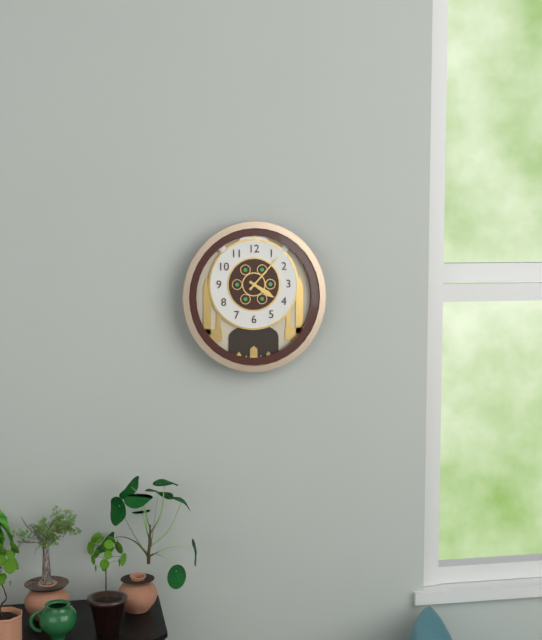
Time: **4:07**
